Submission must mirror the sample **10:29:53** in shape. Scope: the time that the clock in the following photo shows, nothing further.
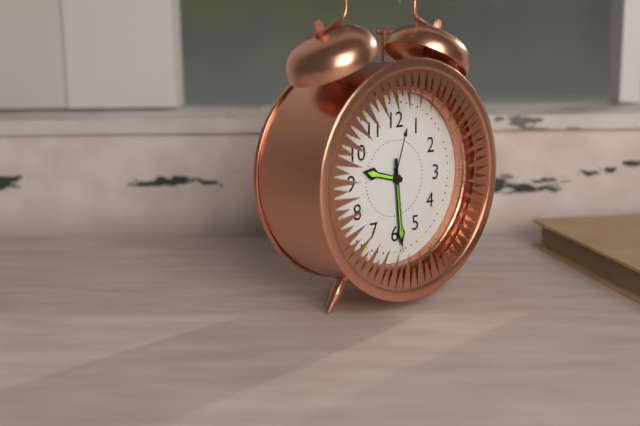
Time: **9:29:29**
